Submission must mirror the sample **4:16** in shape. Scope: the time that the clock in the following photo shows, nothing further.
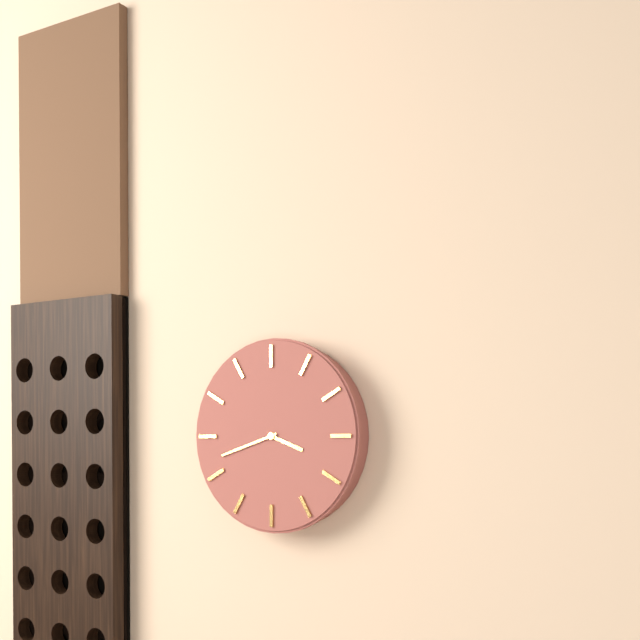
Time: **3:42**
